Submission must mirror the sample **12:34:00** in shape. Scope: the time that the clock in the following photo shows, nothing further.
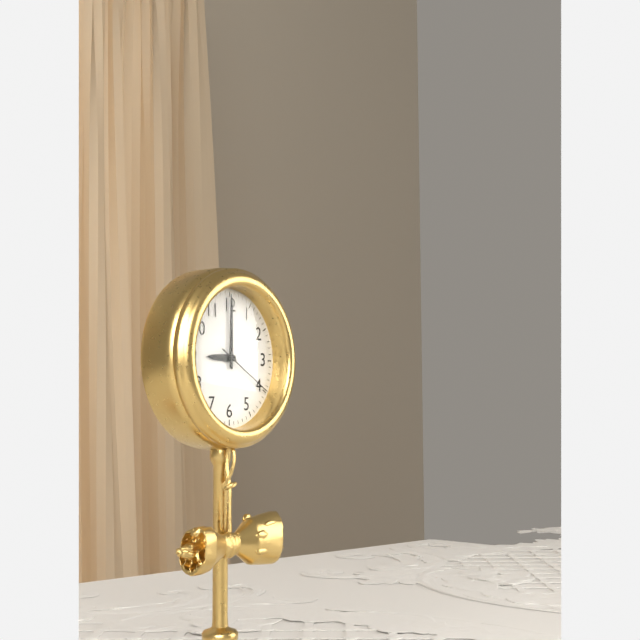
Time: **9:00:20**
